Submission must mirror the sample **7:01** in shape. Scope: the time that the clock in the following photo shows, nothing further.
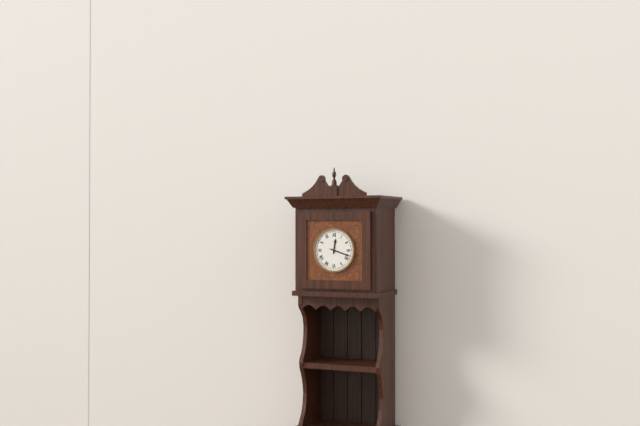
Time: **12:18**
